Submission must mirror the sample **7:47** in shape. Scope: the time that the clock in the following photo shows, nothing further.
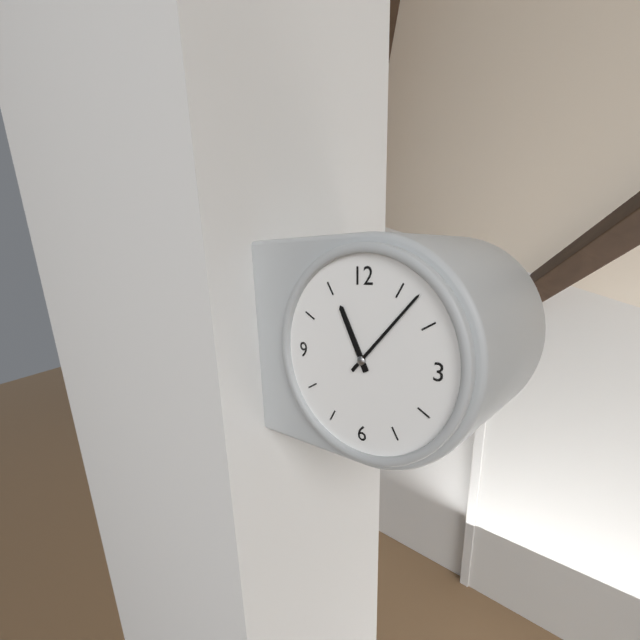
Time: **11:07**
